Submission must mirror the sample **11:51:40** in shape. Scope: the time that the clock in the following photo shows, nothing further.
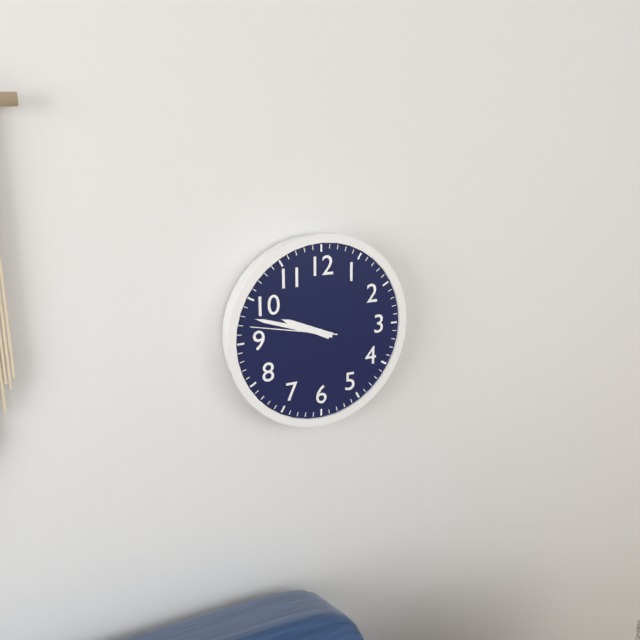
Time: **9:48:47**
